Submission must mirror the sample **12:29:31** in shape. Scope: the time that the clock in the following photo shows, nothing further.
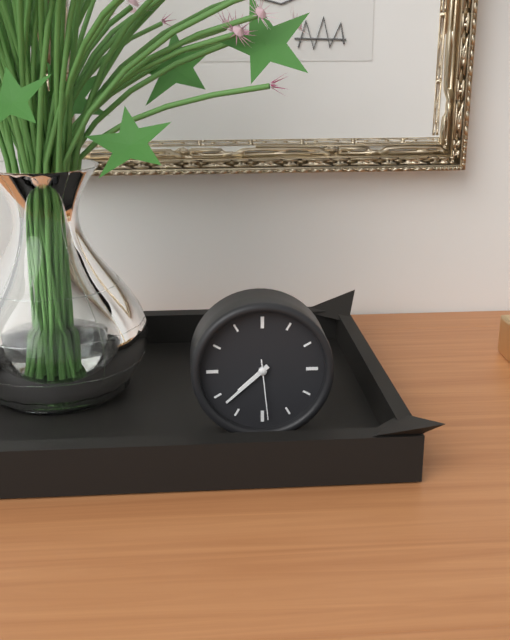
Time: **7:38:29**
